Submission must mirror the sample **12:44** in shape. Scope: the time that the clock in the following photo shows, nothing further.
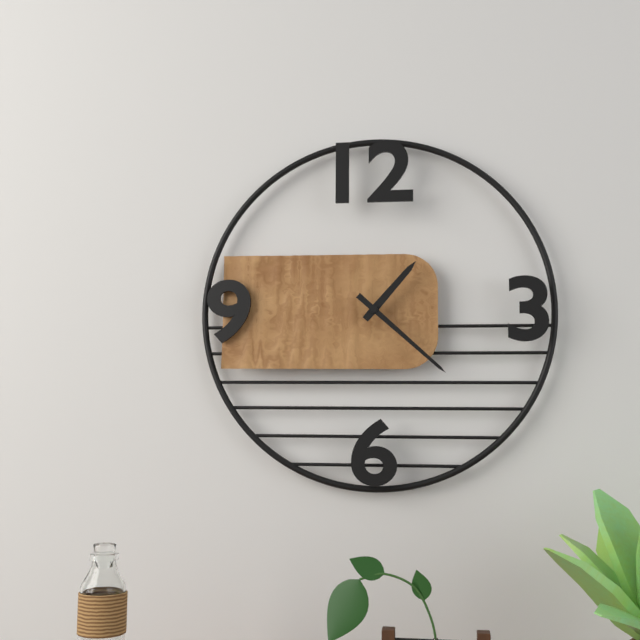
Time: **1:22**
